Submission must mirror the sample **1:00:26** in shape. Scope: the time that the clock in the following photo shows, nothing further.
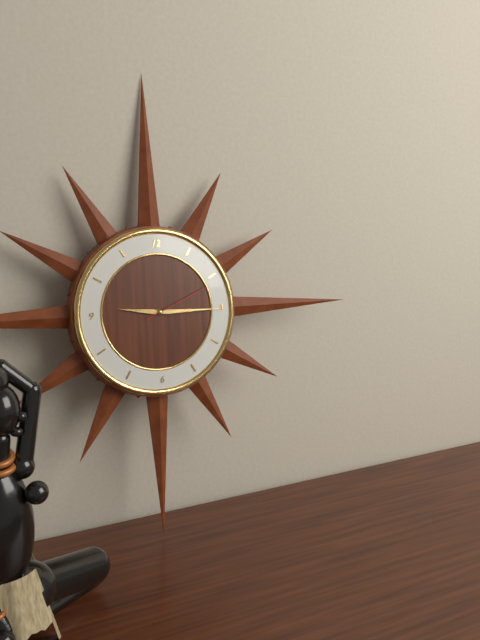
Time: **9:15:11**
